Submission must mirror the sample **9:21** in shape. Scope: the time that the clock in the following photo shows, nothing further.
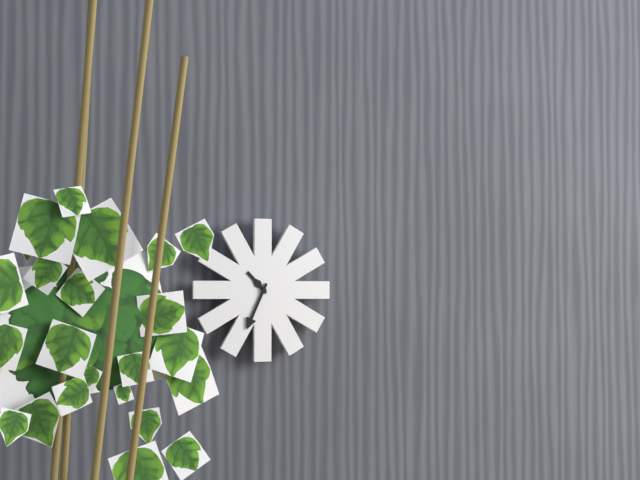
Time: **10:34**
